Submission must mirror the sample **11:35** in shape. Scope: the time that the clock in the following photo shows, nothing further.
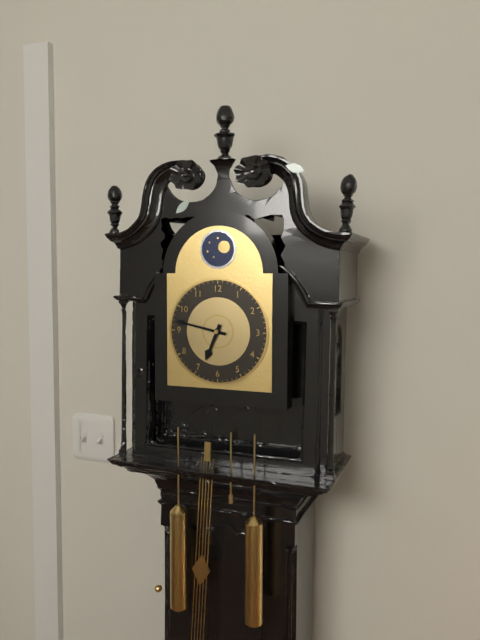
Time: **6:47**
